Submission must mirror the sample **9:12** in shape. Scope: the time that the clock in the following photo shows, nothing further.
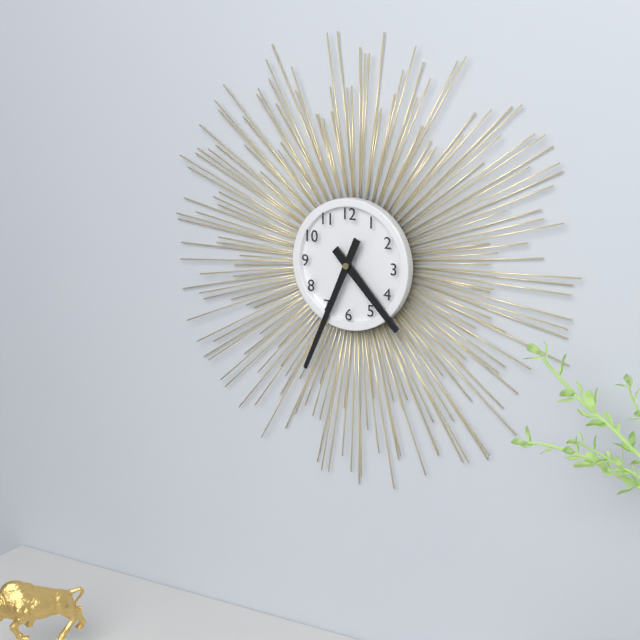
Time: **4:34**
